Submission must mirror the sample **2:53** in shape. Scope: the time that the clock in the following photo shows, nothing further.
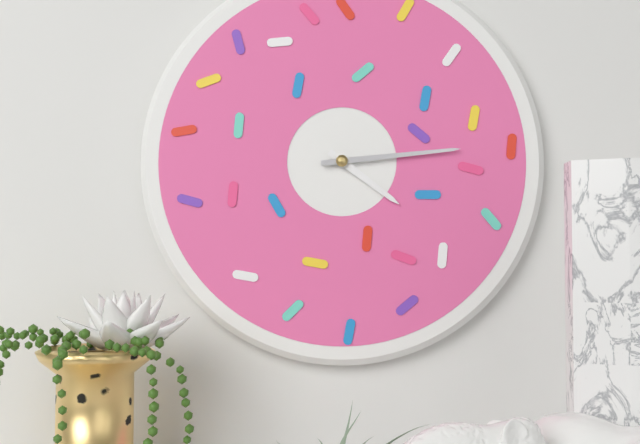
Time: **4:14**
